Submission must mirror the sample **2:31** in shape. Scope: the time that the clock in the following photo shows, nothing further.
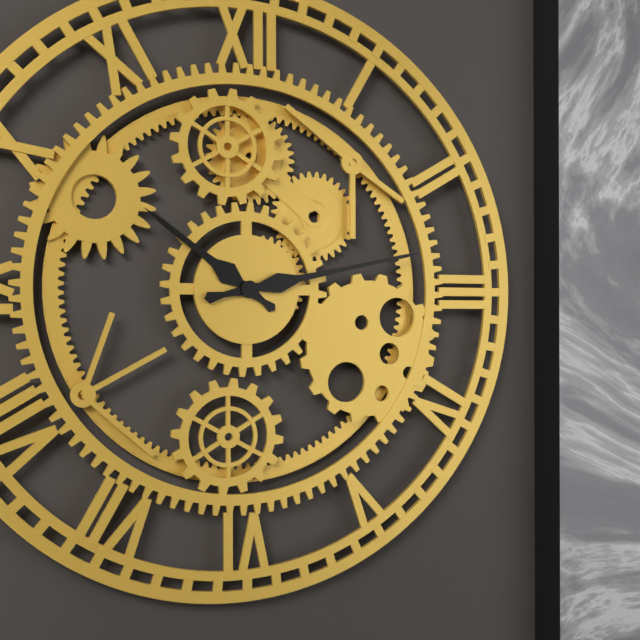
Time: **10:13**
